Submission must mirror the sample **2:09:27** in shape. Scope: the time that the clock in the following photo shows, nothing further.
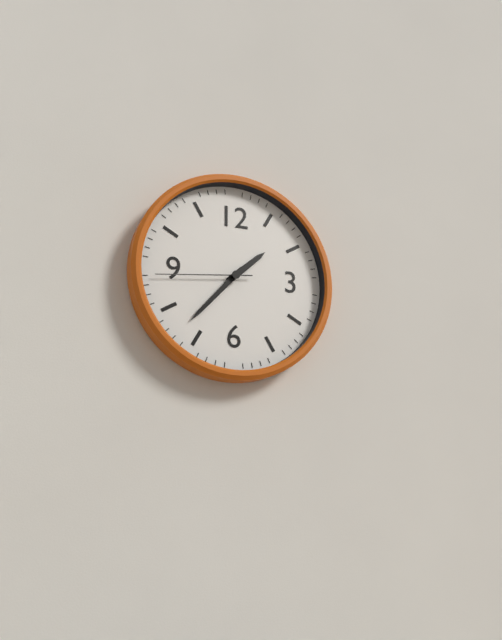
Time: **1:37:44**
